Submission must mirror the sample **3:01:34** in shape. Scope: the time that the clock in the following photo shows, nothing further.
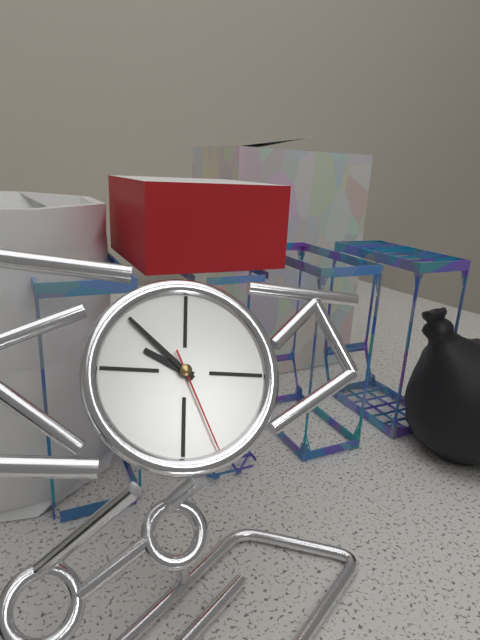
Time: **9:52:26**
